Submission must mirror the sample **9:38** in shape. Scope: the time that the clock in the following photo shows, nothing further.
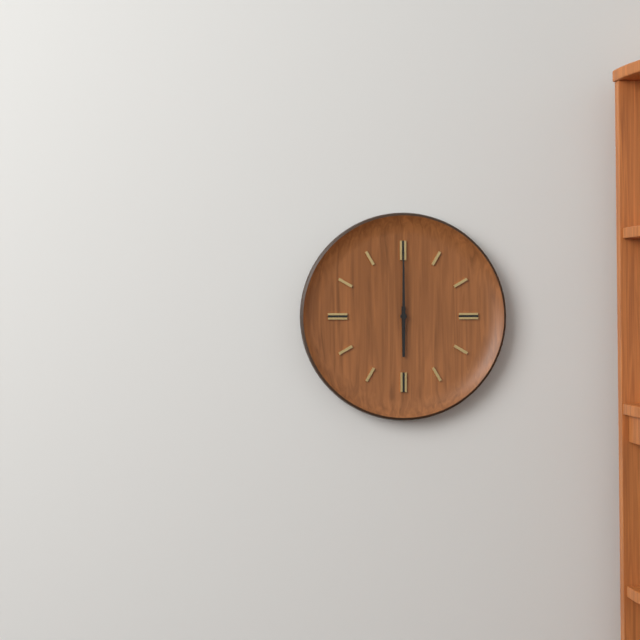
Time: **6:00**
